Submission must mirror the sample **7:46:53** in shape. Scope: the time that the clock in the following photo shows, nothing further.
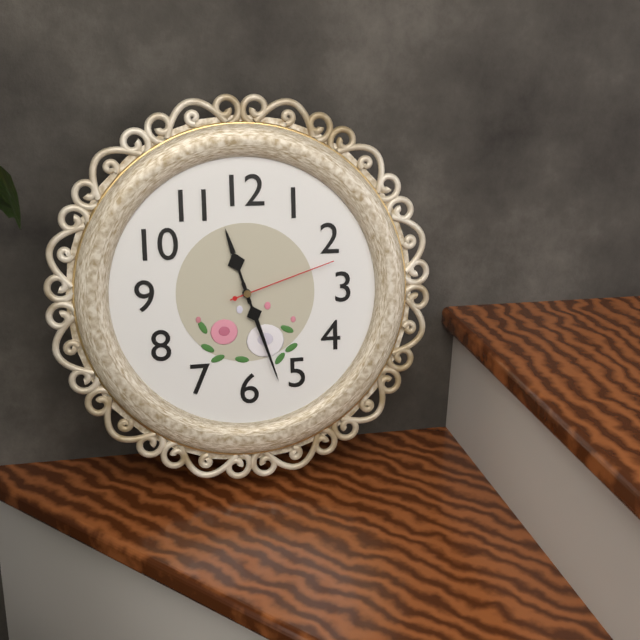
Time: **11:27:12**
